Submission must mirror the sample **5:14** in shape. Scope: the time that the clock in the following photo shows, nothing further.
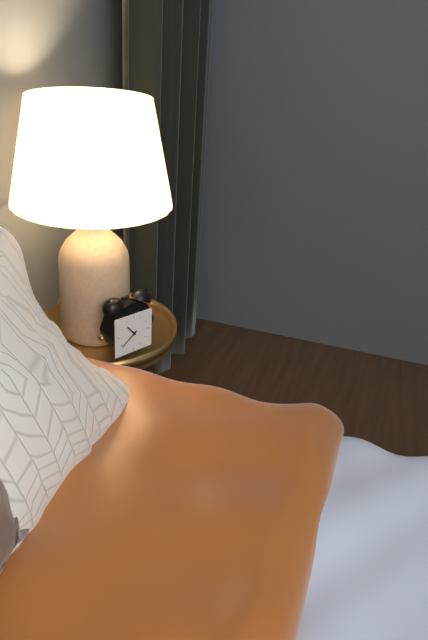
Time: **10:39**
